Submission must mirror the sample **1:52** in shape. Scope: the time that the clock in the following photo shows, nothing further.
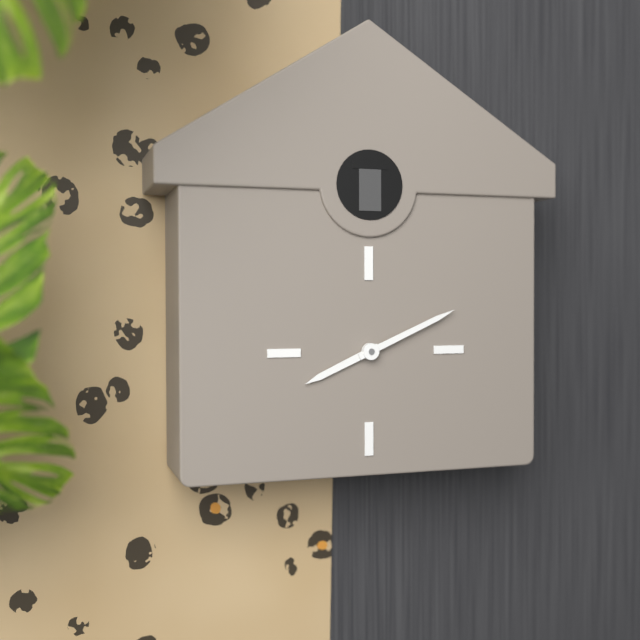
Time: **8:11**
